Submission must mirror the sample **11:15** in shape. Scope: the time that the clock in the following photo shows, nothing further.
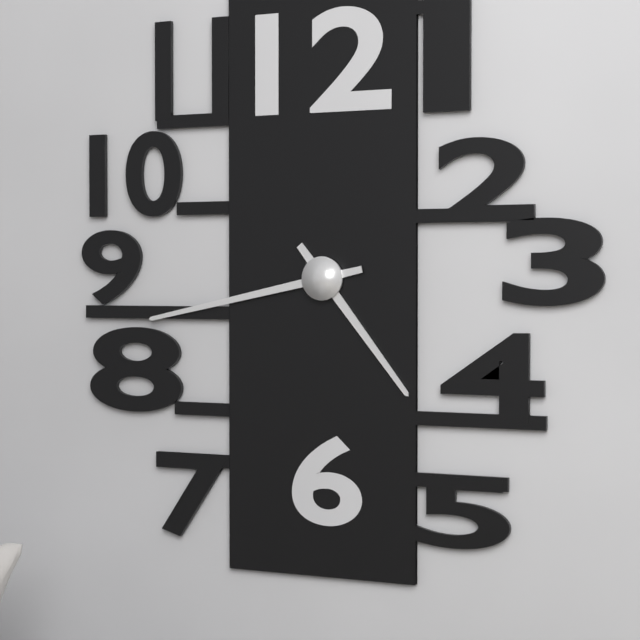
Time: **4:43**
